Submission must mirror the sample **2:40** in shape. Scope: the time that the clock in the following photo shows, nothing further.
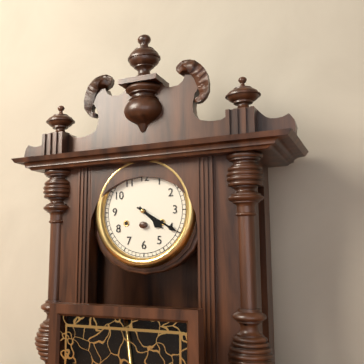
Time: **4:20**
